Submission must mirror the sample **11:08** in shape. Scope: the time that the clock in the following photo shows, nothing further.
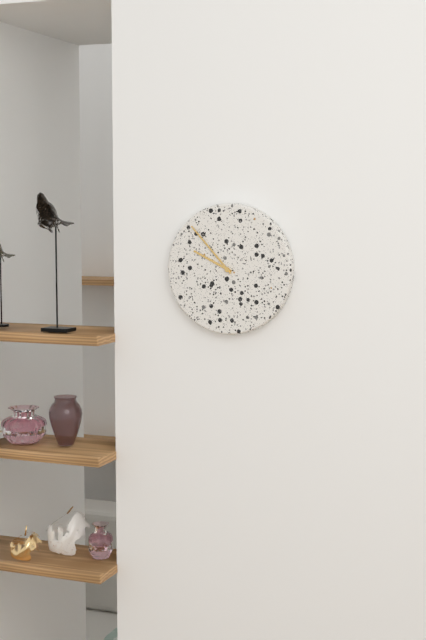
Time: **9:53**
